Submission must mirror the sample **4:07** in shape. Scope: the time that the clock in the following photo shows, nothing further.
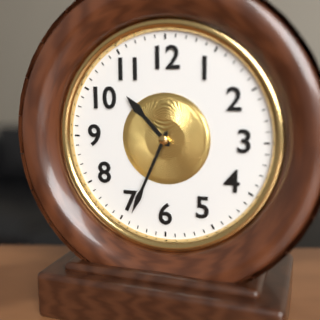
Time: **10:34**
